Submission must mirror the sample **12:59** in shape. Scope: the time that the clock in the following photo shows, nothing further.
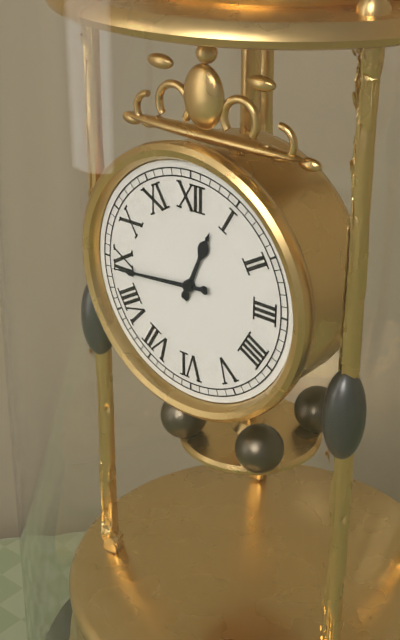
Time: **12:44**
